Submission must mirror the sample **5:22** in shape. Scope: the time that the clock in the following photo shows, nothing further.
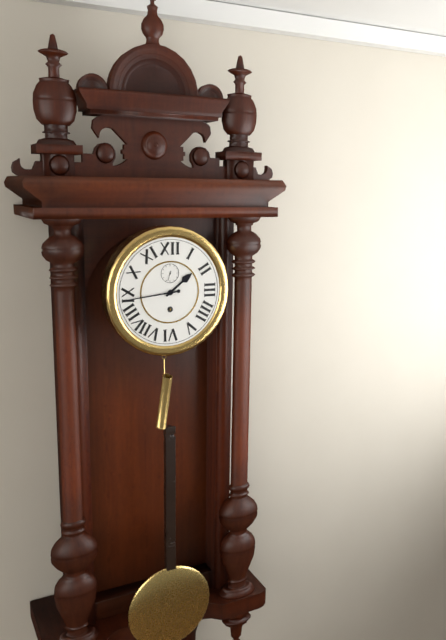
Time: **1:44**
